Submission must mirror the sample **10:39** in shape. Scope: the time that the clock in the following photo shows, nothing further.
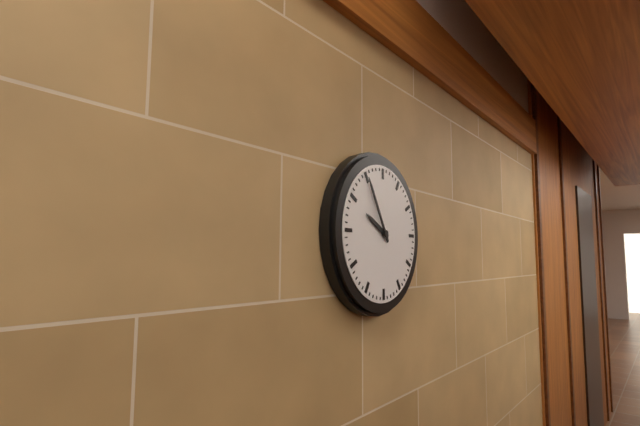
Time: **9:55**
